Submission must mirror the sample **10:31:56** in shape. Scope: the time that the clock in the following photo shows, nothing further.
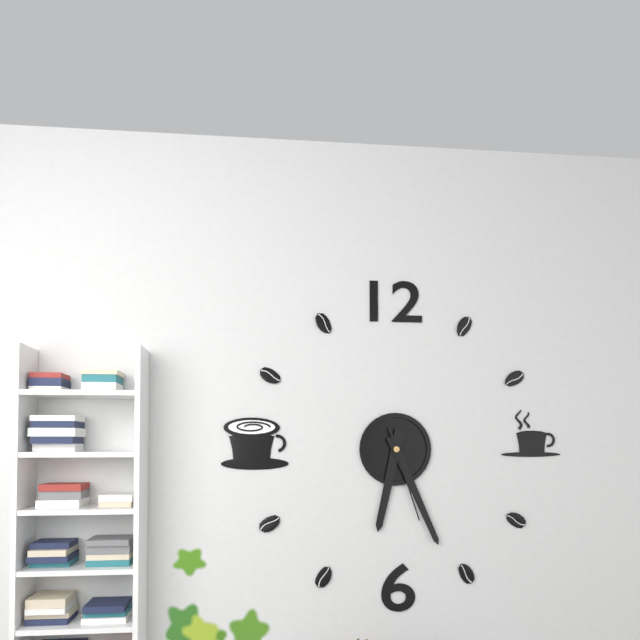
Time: **6:26:27**
